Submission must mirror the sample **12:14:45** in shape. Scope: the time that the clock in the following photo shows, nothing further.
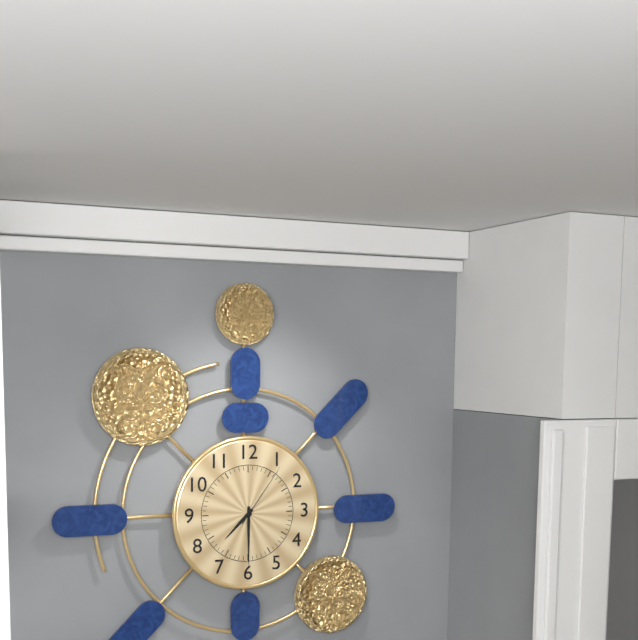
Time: **7:30:06**
